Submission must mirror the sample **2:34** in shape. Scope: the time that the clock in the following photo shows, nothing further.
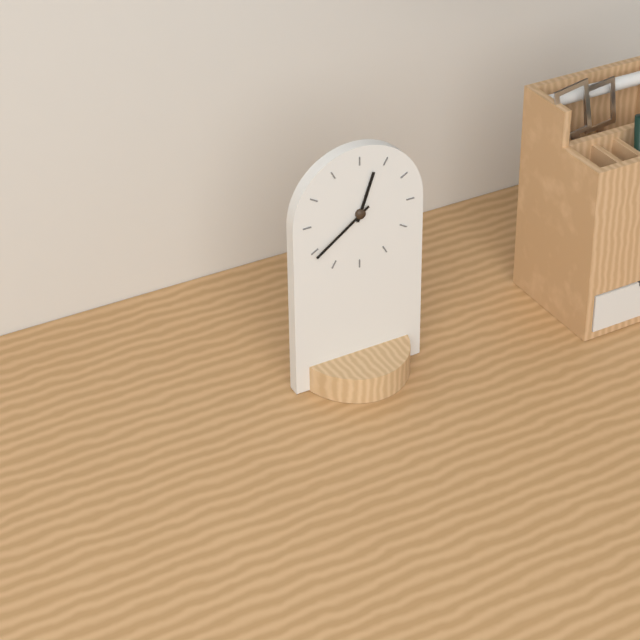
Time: **12:39**
